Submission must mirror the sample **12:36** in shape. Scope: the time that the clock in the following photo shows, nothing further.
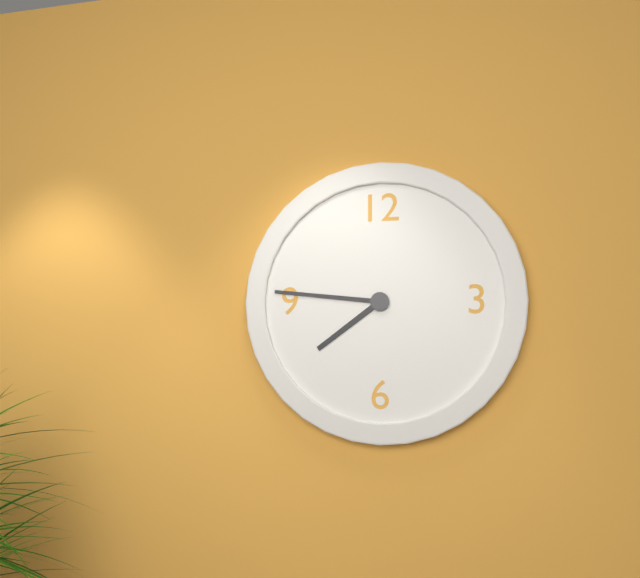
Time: **7:46**
